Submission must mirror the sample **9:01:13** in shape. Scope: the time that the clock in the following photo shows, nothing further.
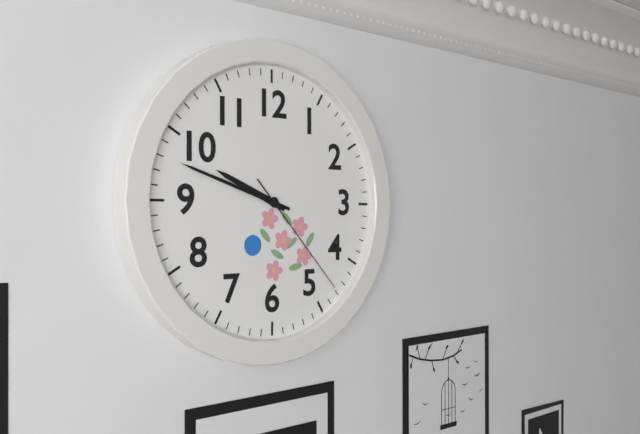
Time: **9:48:23**
